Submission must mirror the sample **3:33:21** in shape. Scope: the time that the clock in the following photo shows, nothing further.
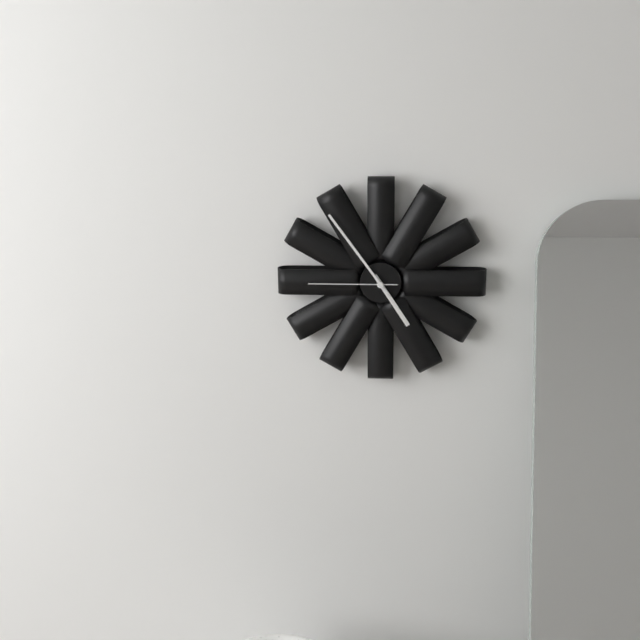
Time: **4:54:45**
